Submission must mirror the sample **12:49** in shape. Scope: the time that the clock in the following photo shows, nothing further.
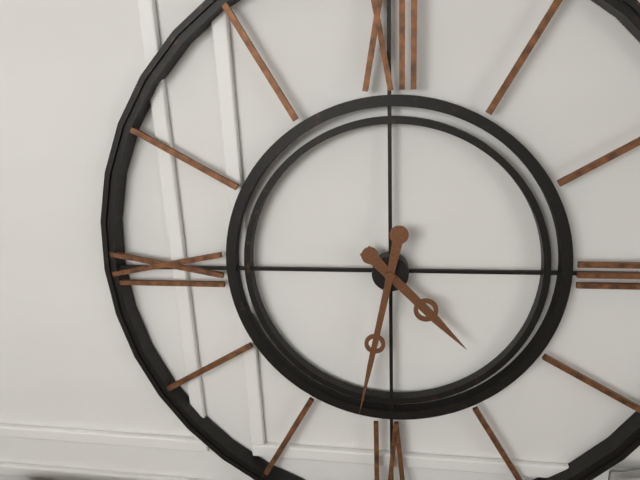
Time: **4:32**
